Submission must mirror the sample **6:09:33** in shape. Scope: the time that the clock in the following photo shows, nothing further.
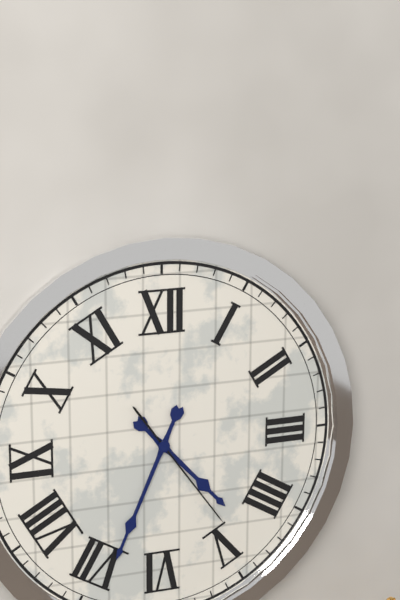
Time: **4:34:24**
